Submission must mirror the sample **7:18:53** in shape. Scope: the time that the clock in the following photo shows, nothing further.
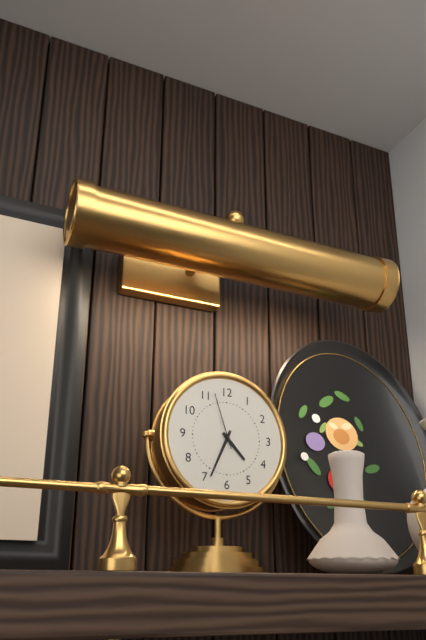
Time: **4:34:57**
